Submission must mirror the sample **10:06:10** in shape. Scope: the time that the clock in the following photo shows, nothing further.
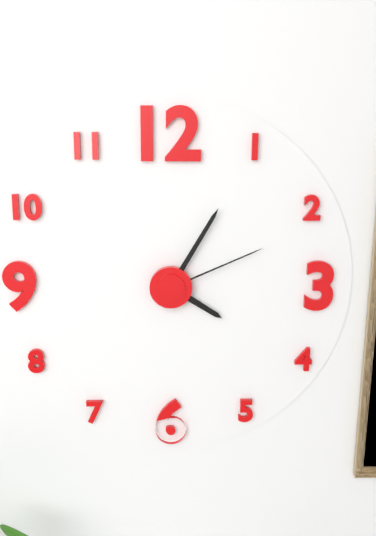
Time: **4:05:11**
